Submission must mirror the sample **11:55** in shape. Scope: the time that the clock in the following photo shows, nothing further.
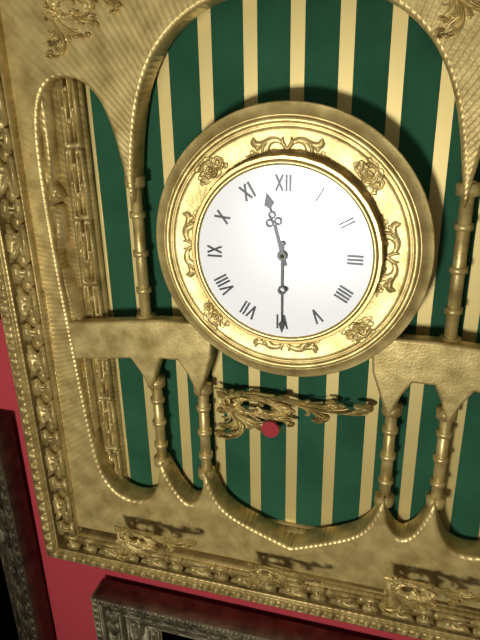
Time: **11:30**
